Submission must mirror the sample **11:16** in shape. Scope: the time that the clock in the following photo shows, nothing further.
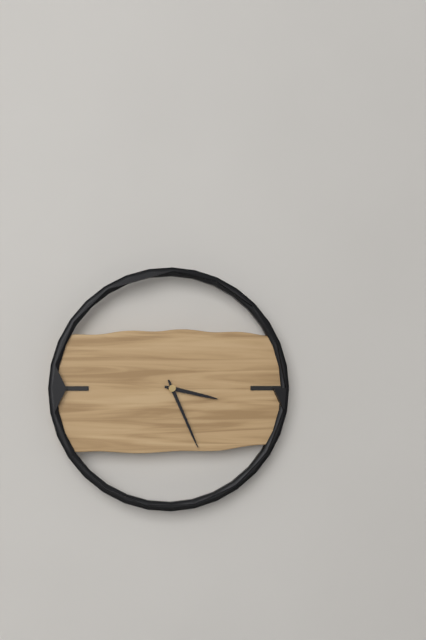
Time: **3:26**
